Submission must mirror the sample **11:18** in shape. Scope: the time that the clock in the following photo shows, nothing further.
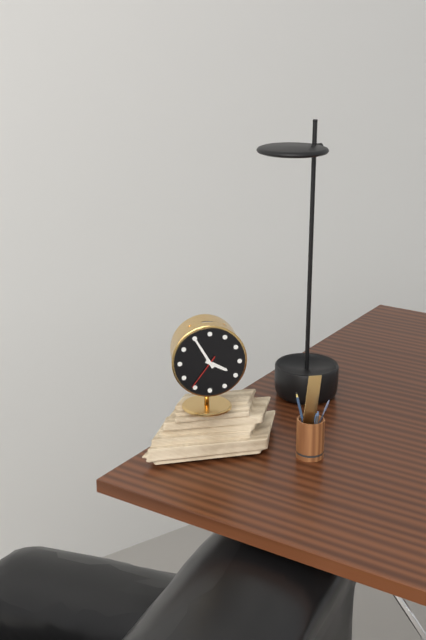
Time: **3:55**
